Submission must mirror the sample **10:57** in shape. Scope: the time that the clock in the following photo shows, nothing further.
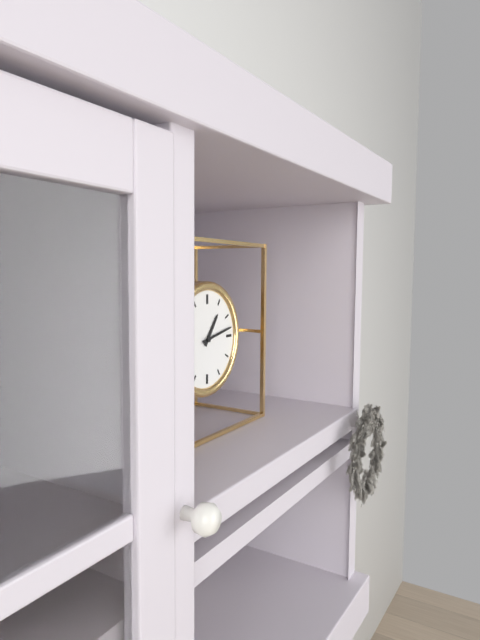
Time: **1:13**
